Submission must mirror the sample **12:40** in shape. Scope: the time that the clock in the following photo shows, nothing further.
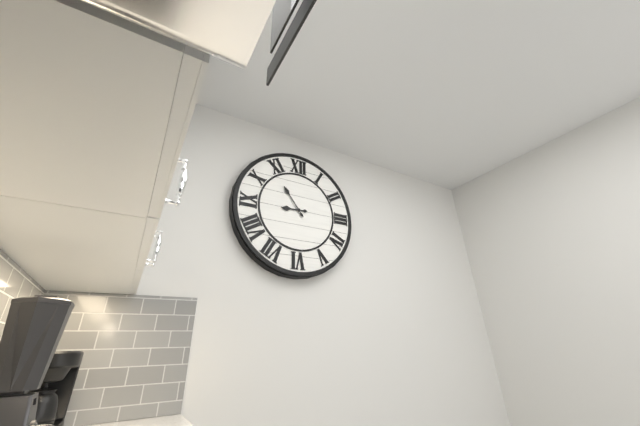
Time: **8:54**
